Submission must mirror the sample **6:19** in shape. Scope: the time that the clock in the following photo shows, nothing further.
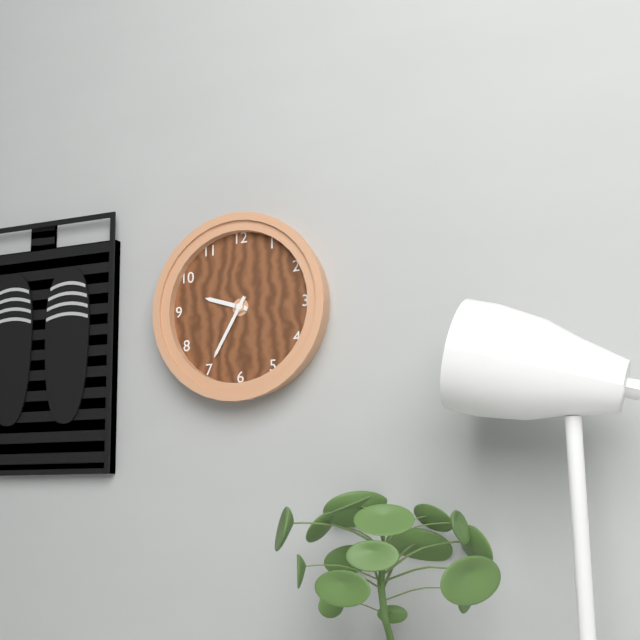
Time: **9:35**
